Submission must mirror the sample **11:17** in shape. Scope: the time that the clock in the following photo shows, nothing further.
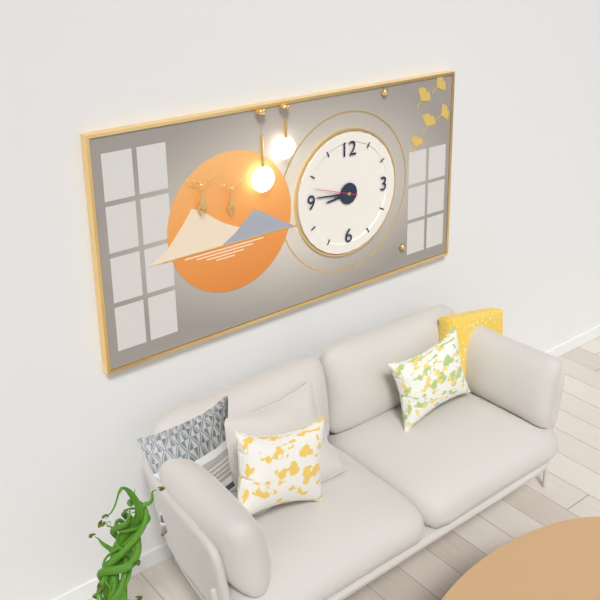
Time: **8:46**
